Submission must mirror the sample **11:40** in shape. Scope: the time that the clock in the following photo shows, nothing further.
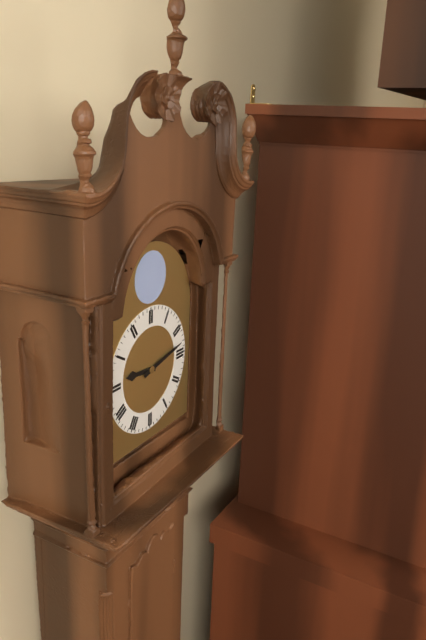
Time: **9:13**
